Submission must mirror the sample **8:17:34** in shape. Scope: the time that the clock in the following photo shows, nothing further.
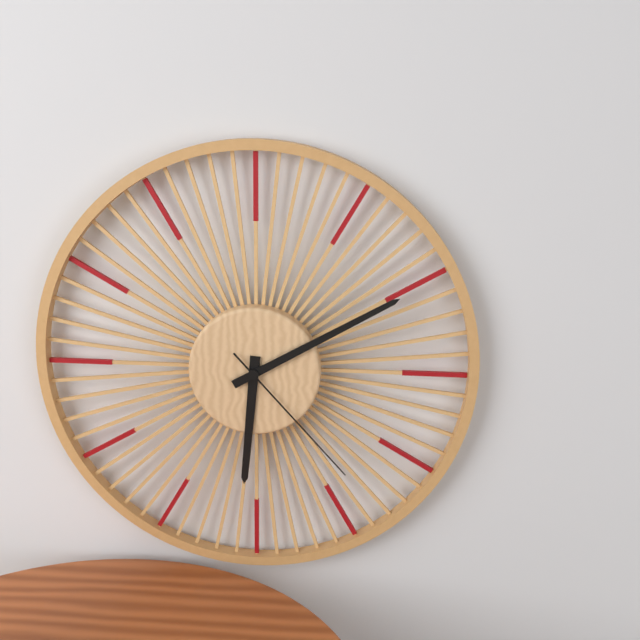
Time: **6:10:23**
